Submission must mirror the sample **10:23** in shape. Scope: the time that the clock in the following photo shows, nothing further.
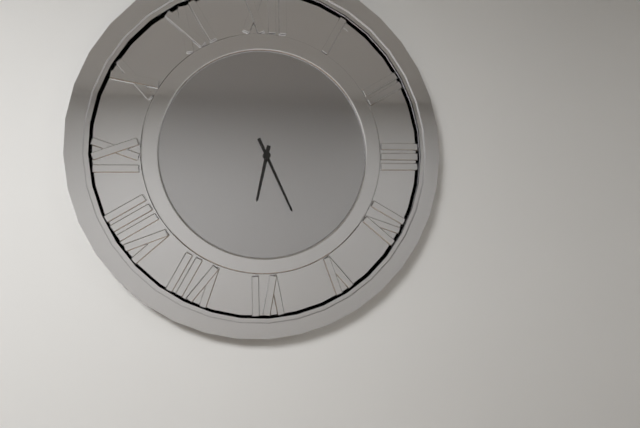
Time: **6:26**
